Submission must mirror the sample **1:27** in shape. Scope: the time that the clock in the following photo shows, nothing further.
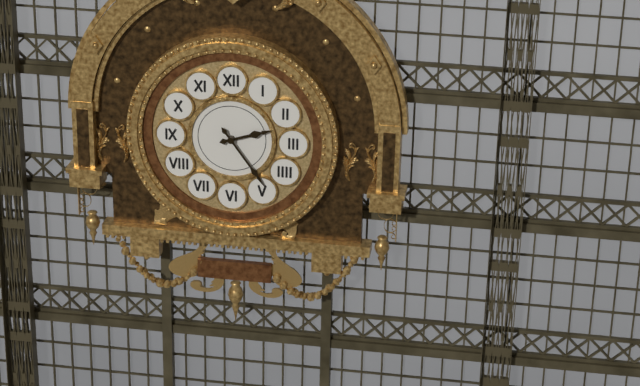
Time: **2:24**
